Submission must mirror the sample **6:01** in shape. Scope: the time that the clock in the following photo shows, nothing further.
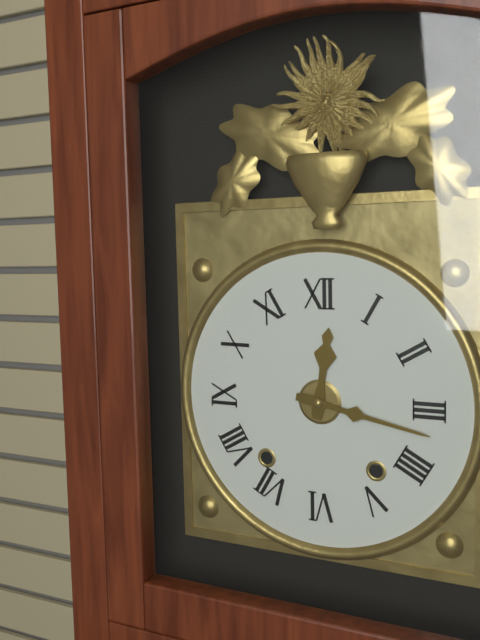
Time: **12:17**
